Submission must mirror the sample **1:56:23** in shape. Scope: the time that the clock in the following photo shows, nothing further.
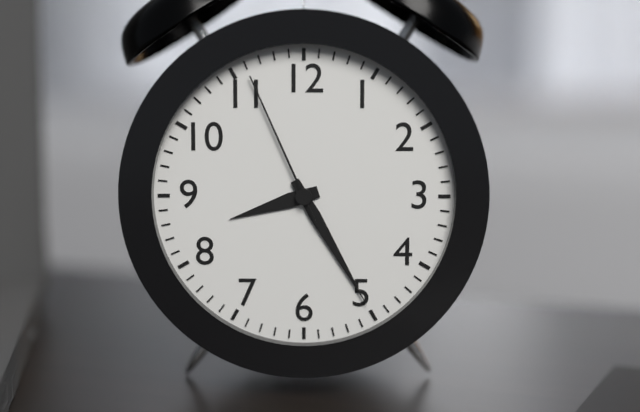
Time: **8:25:56**
